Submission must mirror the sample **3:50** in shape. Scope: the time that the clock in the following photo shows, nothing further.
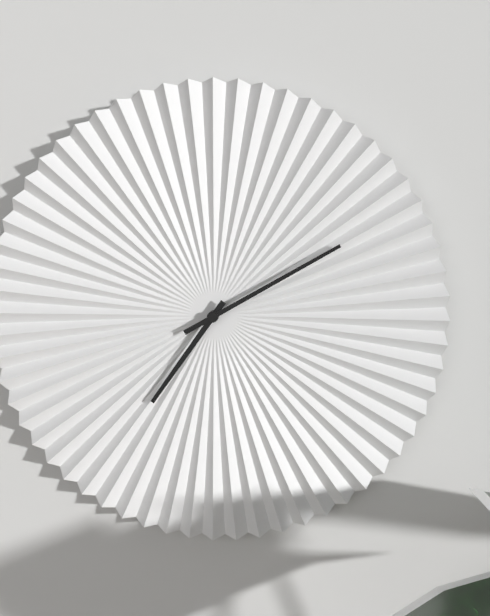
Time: **7:10**
